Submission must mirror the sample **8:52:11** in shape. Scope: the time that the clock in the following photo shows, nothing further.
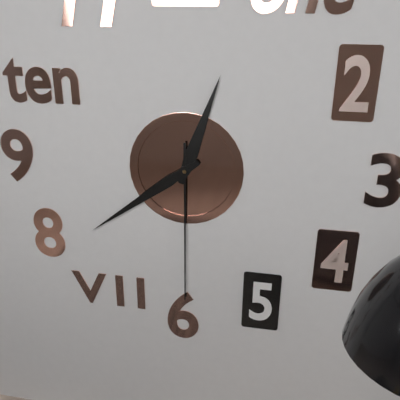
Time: **12:39:30**
